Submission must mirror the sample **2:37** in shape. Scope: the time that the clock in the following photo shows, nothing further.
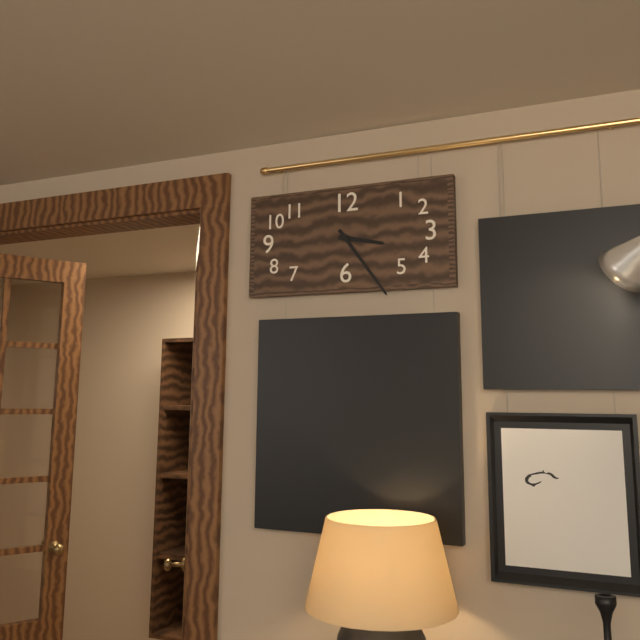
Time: **3:24**
